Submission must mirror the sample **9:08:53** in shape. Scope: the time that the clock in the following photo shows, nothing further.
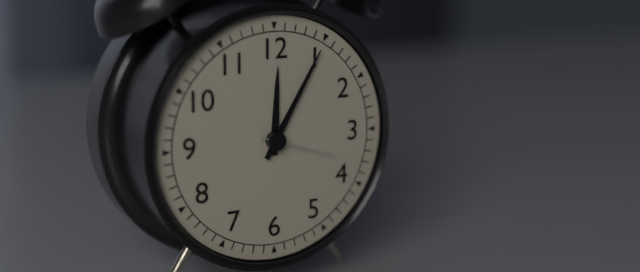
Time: **12:05:18**
